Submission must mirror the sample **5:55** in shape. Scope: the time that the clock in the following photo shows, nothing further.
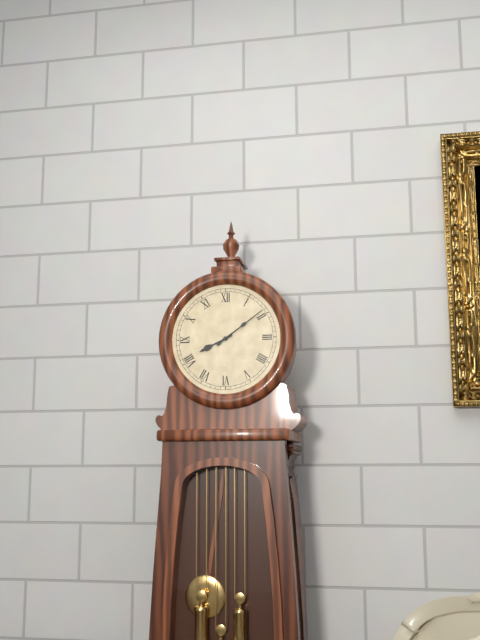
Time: **8:09**
